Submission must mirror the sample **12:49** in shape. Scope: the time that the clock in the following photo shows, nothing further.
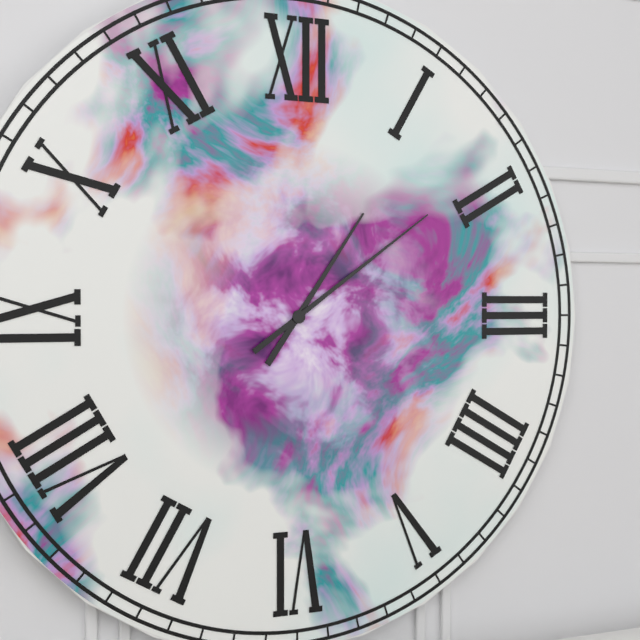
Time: **1:09**
